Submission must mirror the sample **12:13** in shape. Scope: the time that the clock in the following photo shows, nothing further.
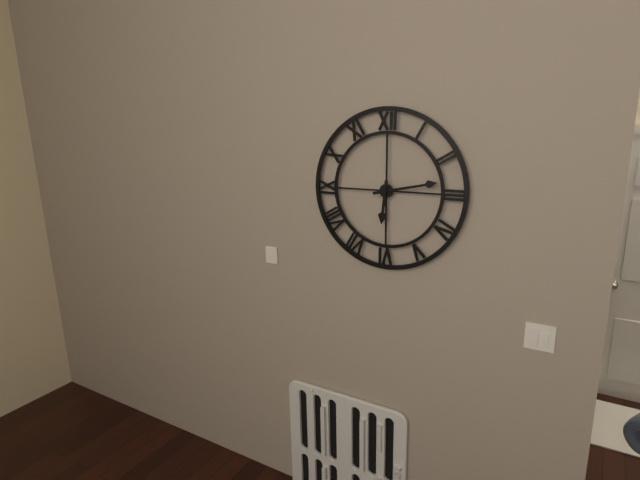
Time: **6:13**
